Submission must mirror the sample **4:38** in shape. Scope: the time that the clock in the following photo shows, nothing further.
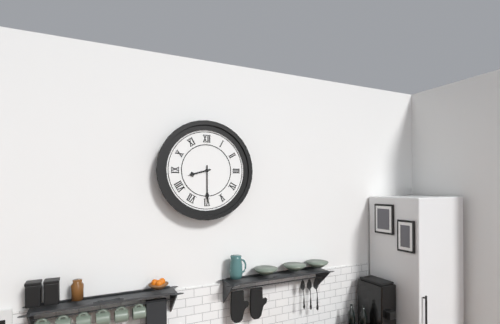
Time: **8:30**
